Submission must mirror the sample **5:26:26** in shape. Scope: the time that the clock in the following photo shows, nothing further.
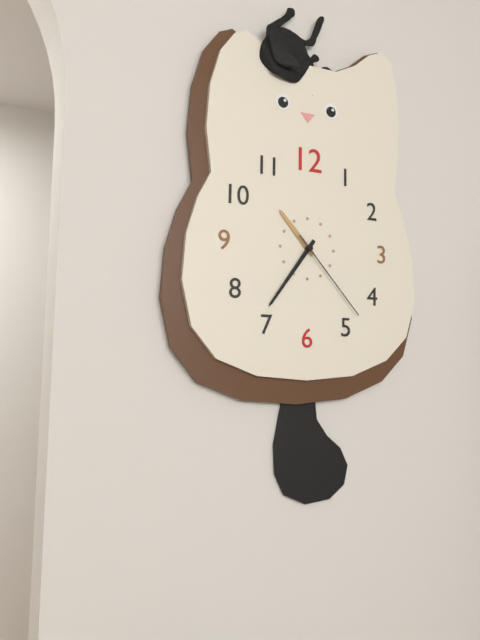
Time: **10:36:23**
